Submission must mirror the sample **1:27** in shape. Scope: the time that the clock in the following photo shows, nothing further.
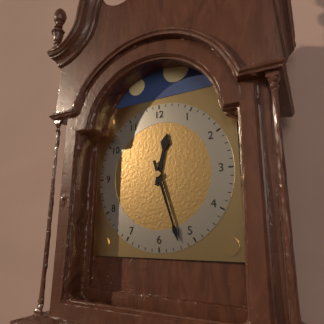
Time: **12:27**
